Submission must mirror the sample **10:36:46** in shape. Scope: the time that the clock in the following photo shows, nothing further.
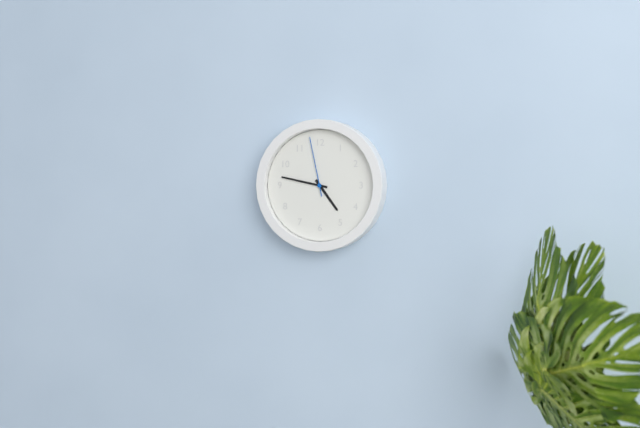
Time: **4:47:58**
